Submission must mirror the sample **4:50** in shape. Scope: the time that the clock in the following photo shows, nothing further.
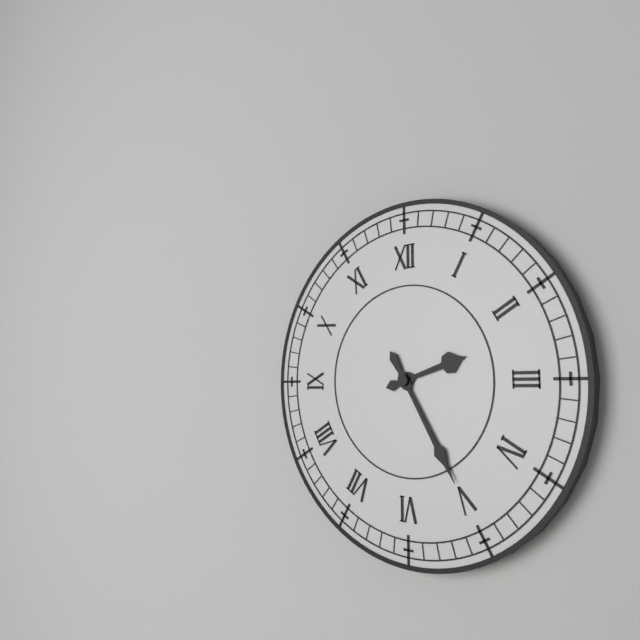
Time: **2:25**
